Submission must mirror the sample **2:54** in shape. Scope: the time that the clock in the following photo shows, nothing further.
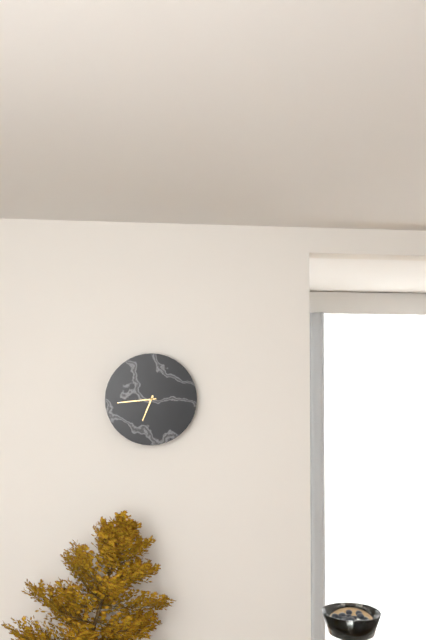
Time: **6:44**
